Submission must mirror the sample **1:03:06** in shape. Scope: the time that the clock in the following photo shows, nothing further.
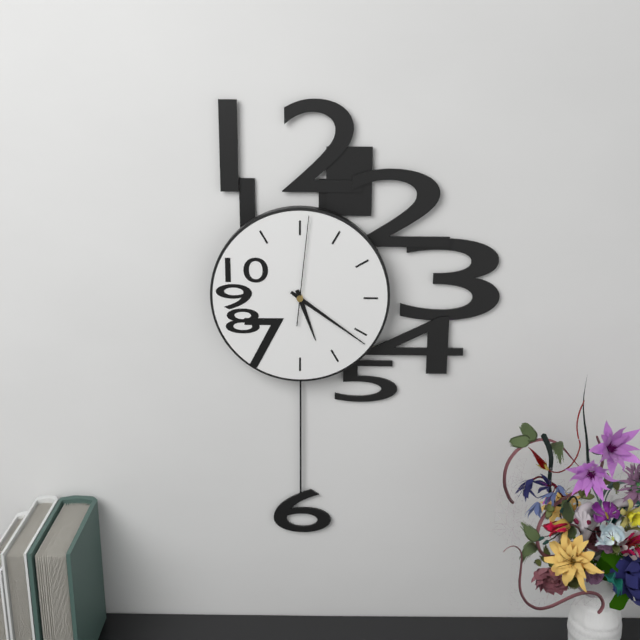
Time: **5:21:01**
